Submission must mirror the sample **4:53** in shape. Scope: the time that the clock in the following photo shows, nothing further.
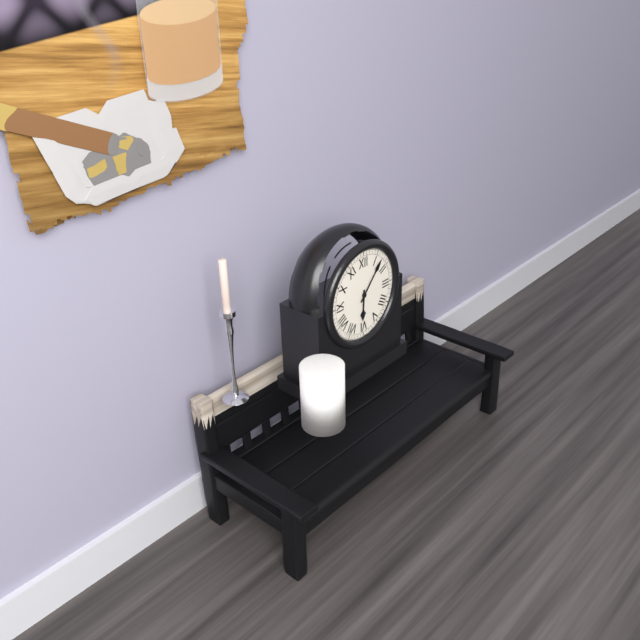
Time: **6:07**
